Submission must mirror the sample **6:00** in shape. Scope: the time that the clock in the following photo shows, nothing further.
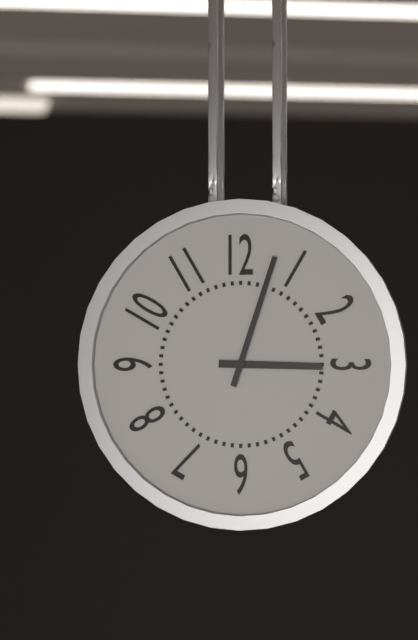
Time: **3:03**
